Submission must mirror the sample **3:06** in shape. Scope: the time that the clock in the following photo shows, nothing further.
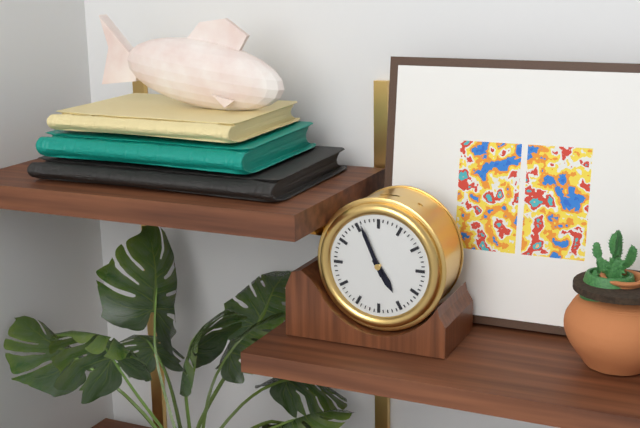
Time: **4:56**
